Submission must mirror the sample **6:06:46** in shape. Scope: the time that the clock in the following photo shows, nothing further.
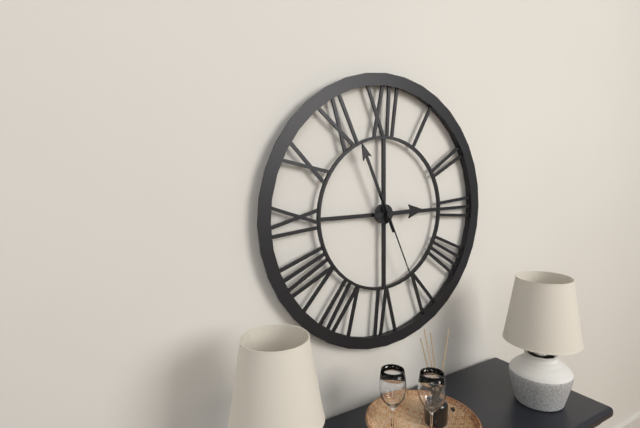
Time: **2:56:26**
